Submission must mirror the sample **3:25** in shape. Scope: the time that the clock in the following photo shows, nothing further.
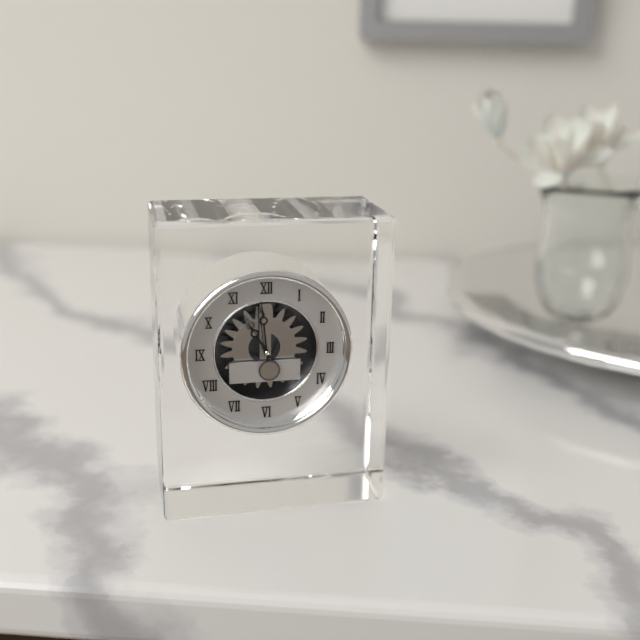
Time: **10:59**
